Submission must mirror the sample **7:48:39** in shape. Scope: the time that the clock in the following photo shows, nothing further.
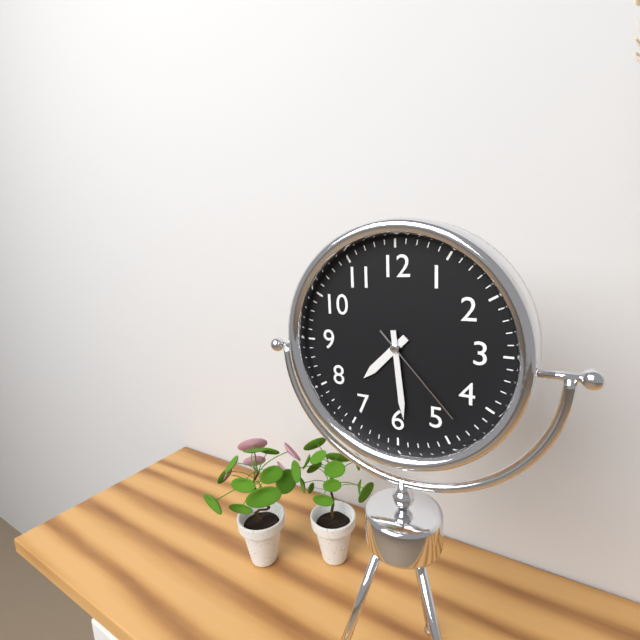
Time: **7:29:23**
